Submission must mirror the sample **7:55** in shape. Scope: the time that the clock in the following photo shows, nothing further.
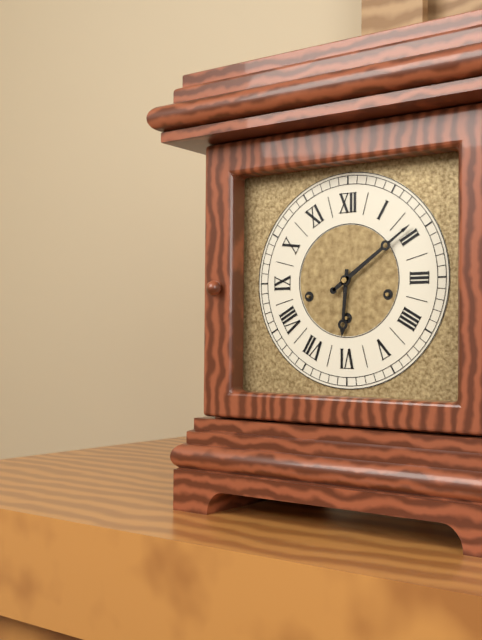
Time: **6:09**
